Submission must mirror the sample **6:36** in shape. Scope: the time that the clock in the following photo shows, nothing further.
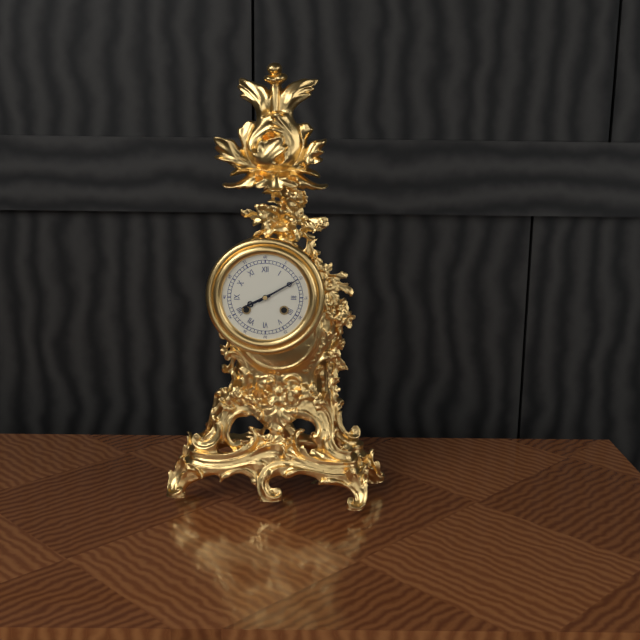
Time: **8:10**
